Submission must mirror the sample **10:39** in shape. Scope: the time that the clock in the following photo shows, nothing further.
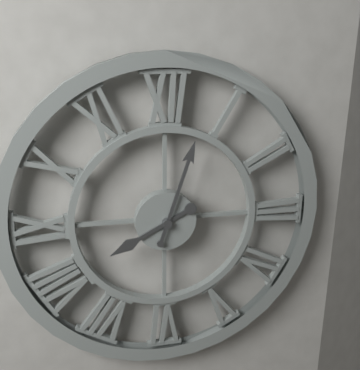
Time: **8:03**
